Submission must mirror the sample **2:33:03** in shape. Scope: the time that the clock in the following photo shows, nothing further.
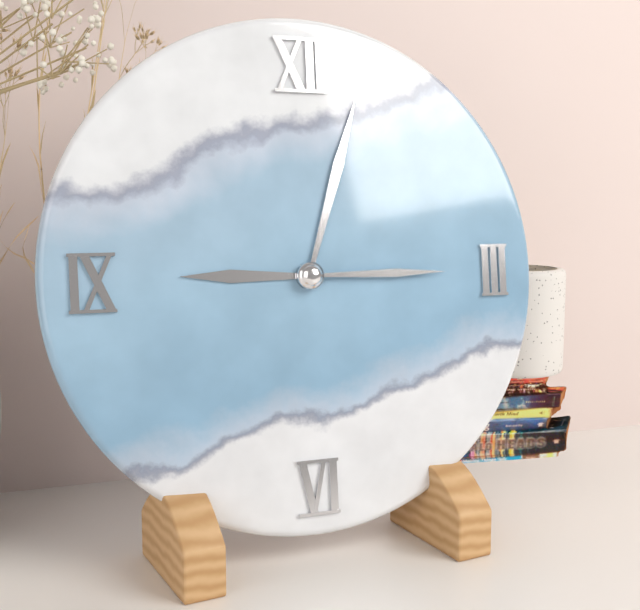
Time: **9:03:15**
